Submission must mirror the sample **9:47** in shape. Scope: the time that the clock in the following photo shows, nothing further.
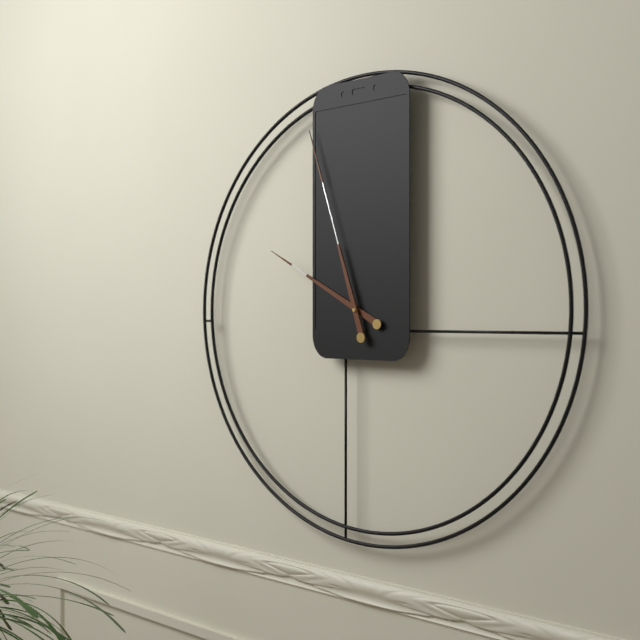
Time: **9:57**
